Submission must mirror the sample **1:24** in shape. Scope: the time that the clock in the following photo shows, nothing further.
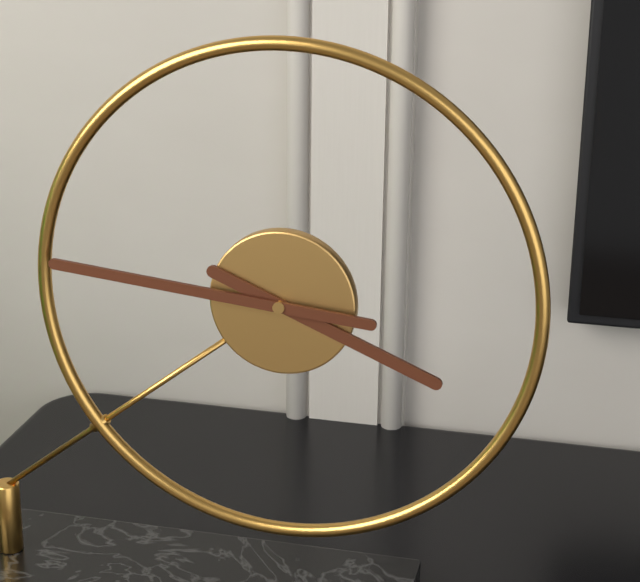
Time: **3:46**
